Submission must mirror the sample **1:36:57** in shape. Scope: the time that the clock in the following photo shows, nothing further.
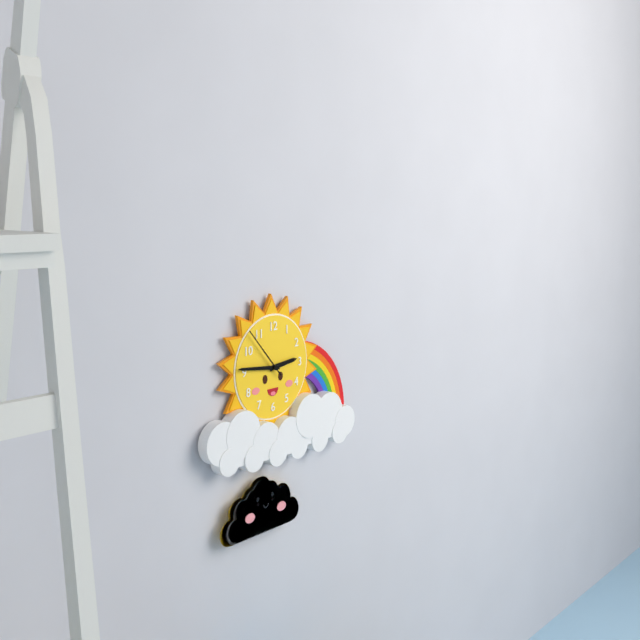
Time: **2:46:53**
